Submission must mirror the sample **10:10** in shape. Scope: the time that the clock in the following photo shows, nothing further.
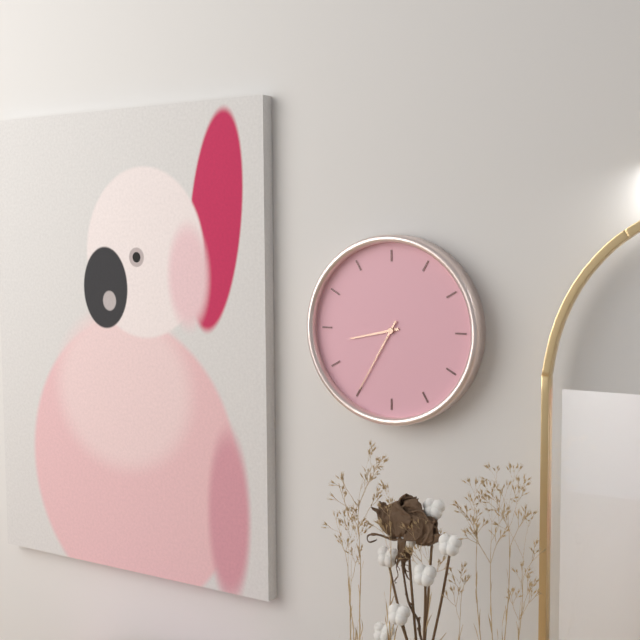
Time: **8:35**
